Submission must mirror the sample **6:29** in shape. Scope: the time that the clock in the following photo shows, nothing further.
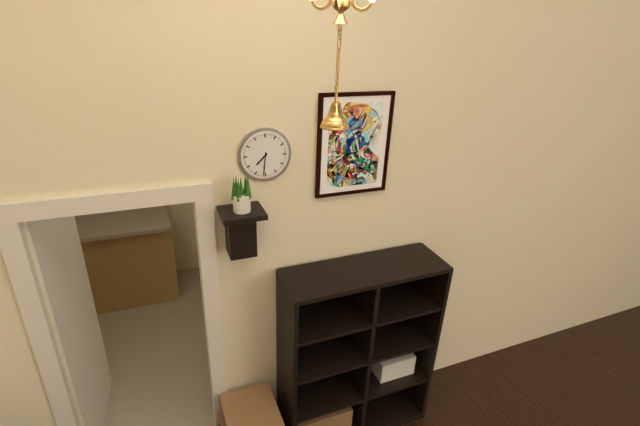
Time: **7:31**
